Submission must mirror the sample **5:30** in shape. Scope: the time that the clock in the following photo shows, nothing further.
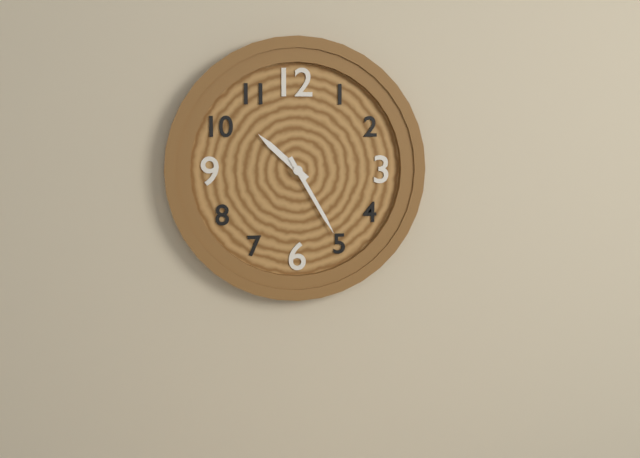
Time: **10:25**
